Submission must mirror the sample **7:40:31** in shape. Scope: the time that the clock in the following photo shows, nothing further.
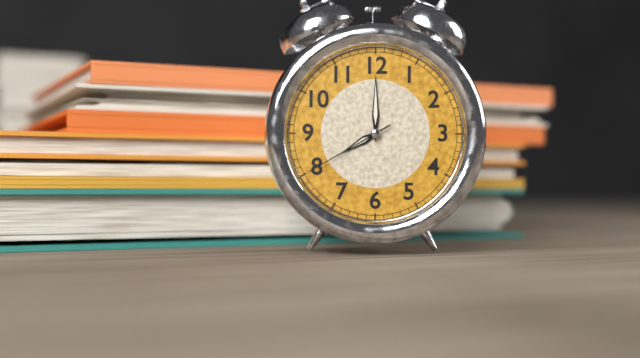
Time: **8:00:40**
